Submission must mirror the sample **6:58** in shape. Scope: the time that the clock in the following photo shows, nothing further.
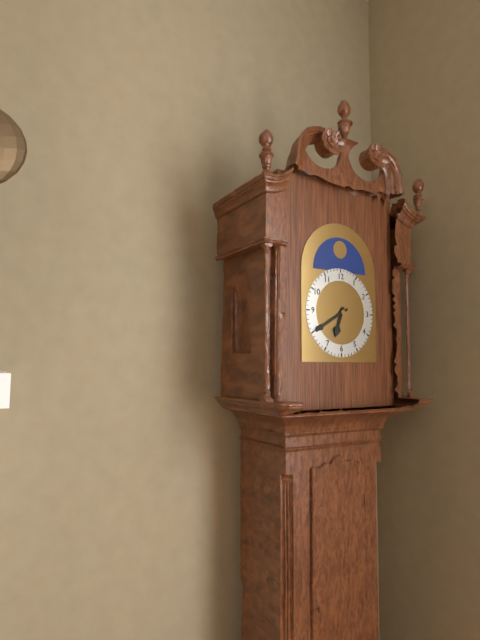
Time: **6:40**
